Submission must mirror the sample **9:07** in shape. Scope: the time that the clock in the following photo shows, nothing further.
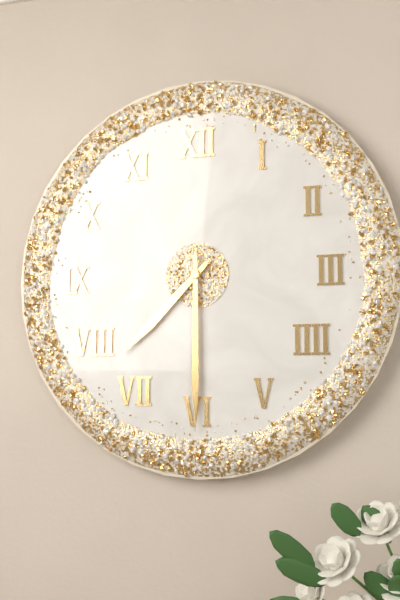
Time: **7:30**
